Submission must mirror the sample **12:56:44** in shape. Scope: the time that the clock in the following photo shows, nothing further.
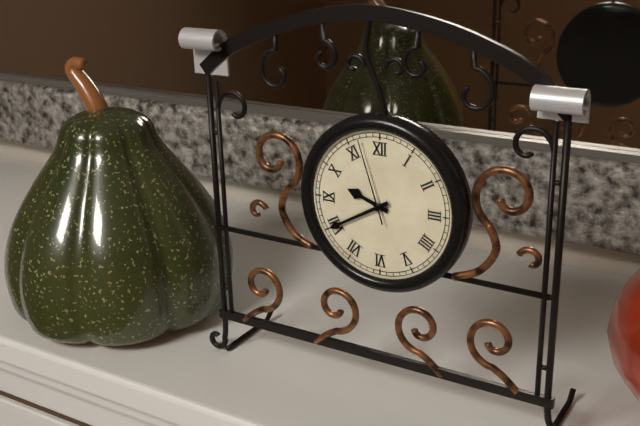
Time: **9:40:57**
